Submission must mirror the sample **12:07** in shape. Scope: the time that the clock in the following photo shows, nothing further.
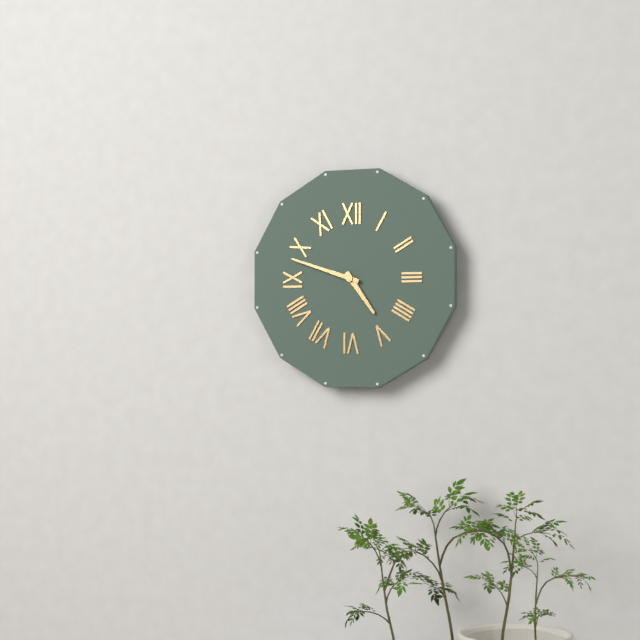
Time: **4:48**
